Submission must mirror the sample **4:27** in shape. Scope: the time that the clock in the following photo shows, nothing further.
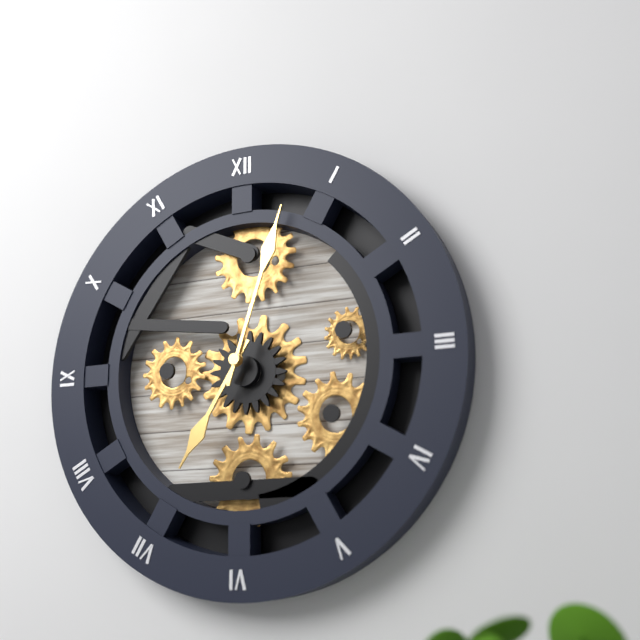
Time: **7:03**
